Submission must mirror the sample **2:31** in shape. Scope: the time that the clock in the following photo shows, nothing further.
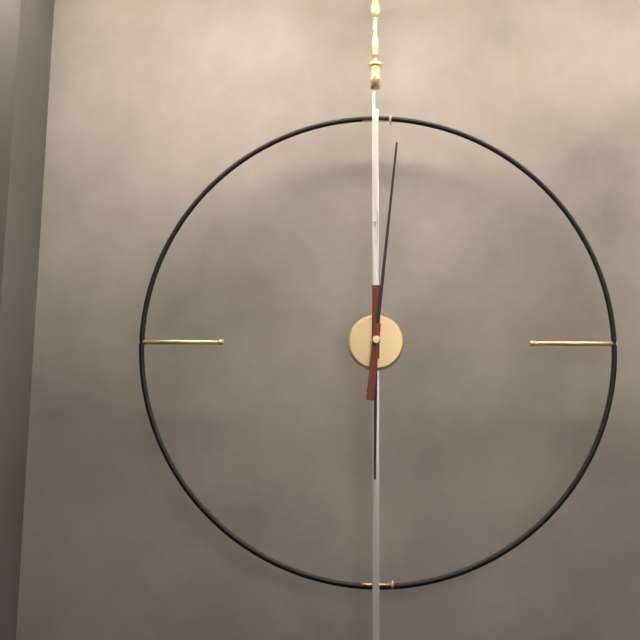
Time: **6:01**
